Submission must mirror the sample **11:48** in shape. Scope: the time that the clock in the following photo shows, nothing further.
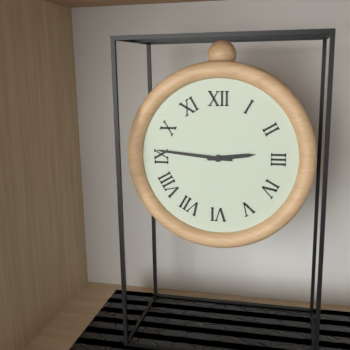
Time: **2:46**
